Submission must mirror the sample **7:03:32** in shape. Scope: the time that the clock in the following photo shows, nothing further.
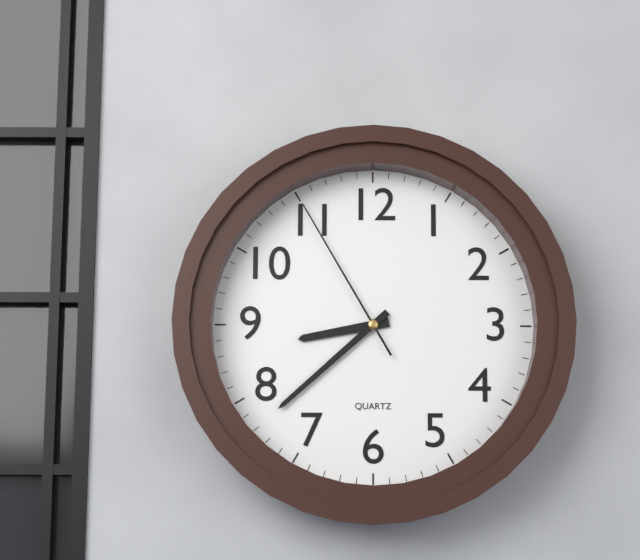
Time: **8:38:55**
